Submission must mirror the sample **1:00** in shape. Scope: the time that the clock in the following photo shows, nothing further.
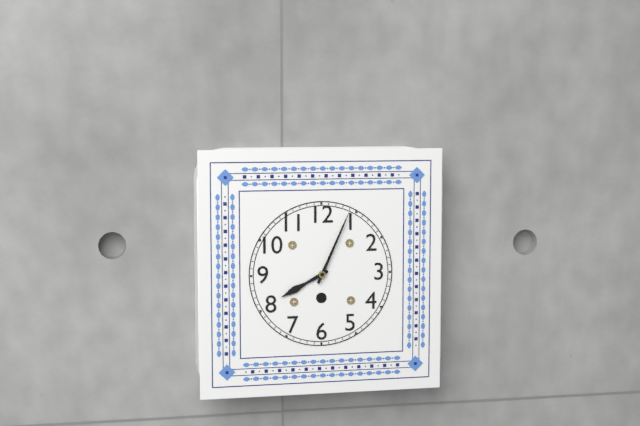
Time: **8:04**
